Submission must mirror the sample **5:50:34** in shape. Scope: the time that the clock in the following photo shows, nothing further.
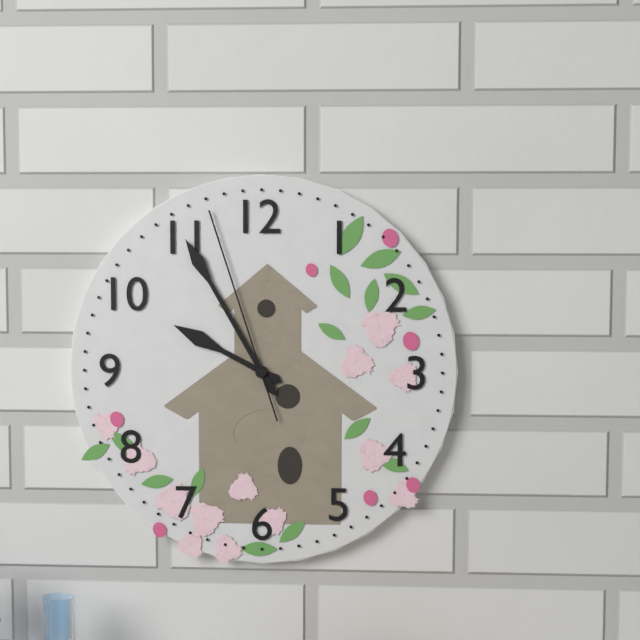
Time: **9:55:57**
